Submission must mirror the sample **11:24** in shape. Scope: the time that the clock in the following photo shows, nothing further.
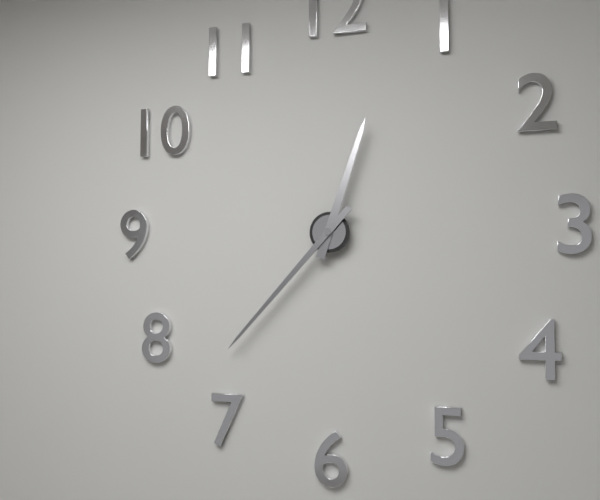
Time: **12:37**
